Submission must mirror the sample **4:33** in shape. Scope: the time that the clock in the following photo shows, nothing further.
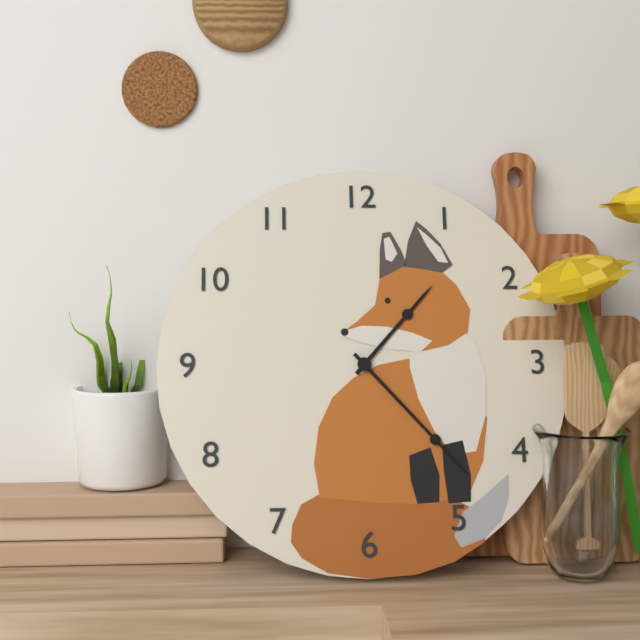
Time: **1:23**
